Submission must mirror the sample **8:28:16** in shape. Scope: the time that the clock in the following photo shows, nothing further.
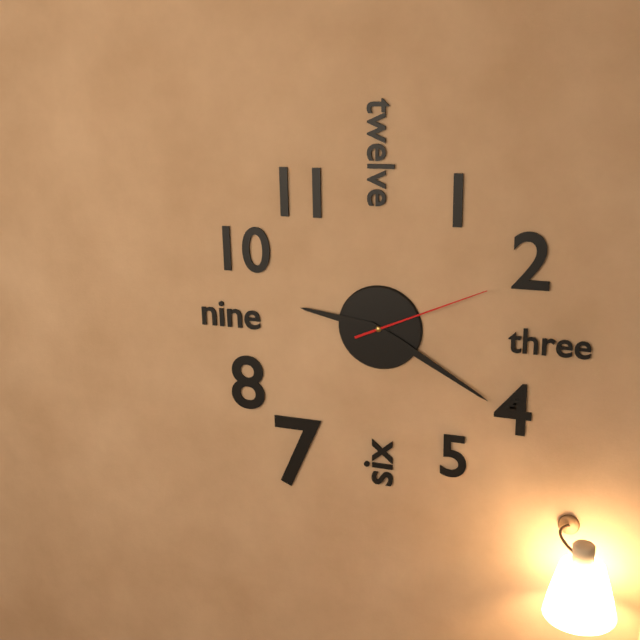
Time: **9:20:11**
